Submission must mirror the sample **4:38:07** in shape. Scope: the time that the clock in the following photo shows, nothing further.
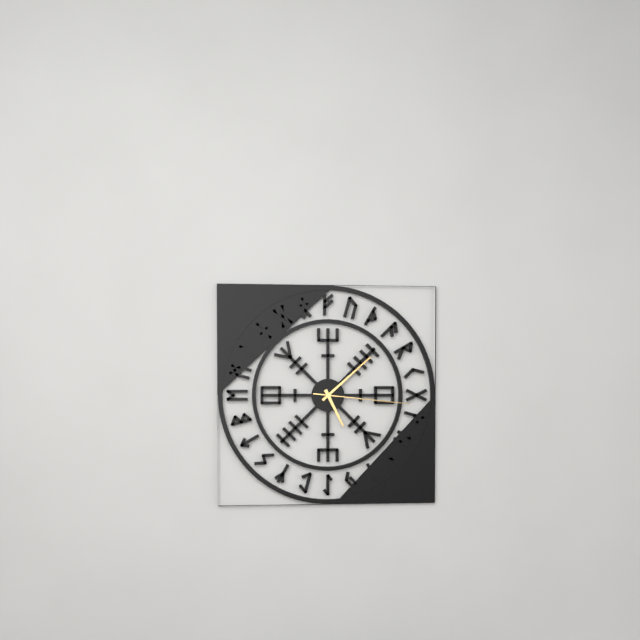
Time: **5:08:16**
